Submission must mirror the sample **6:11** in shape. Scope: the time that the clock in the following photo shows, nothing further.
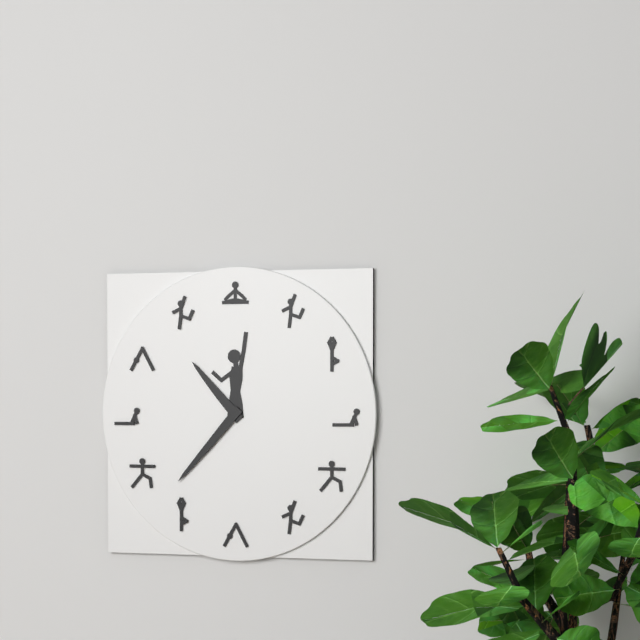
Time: **10:37**
